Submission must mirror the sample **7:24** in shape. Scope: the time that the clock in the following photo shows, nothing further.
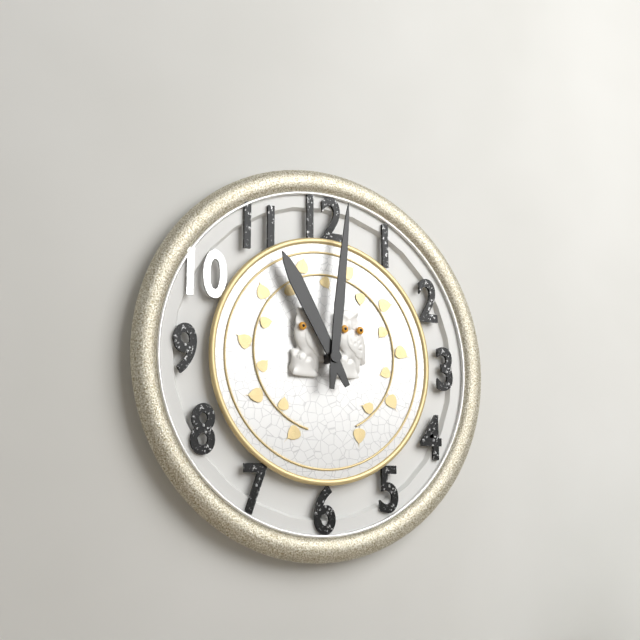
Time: **11:01**
